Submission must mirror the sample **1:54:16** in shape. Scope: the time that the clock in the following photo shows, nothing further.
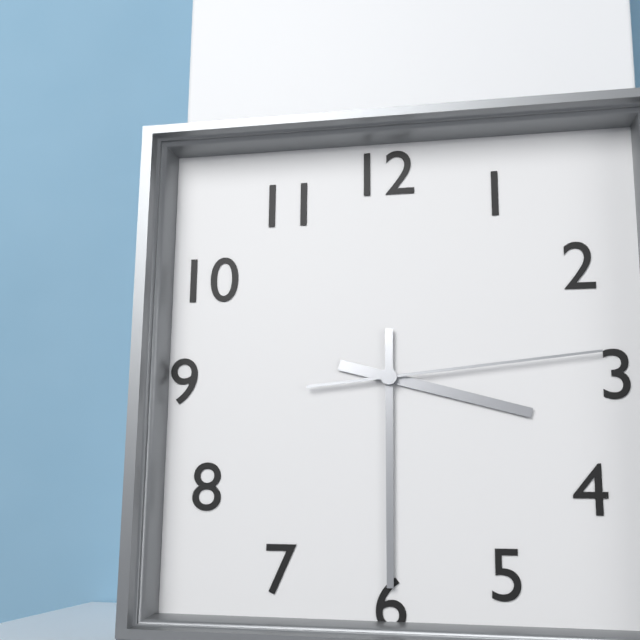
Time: **3:30:14**
